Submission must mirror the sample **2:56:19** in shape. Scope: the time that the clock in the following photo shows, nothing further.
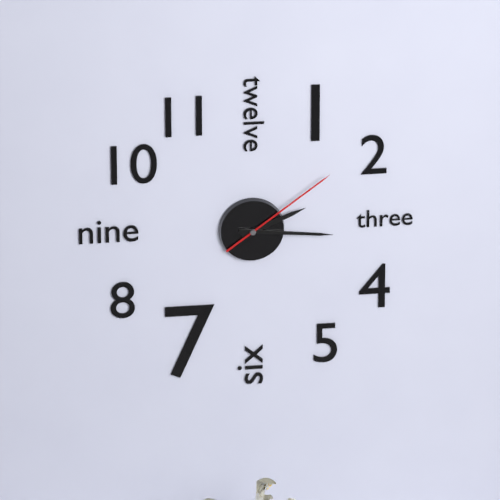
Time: **2:16:09**
